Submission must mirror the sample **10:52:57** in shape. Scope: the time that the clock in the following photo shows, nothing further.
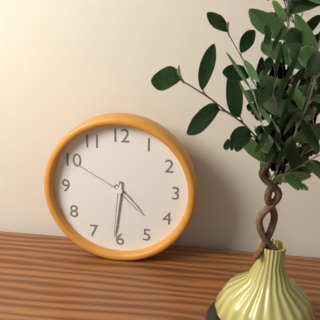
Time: **4:31:50**
